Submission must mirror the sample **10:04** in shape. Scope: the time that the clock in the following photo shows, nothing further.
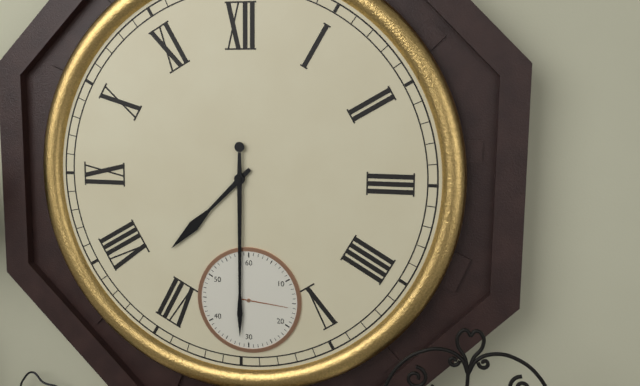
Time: **7:30**
